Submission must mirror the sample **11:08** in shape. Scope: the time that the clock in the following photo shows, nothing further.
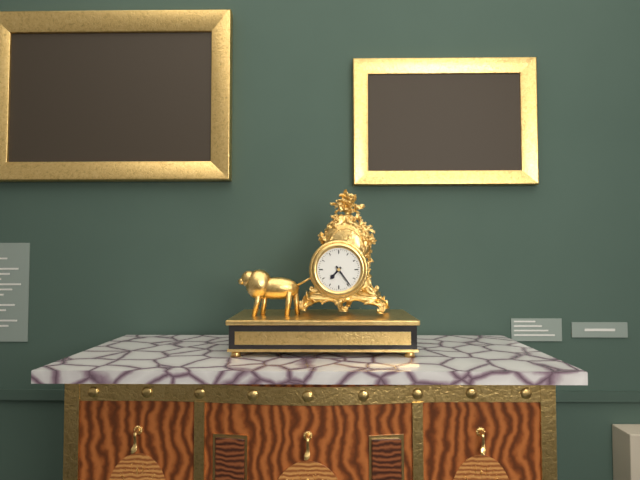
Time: **7:24**
